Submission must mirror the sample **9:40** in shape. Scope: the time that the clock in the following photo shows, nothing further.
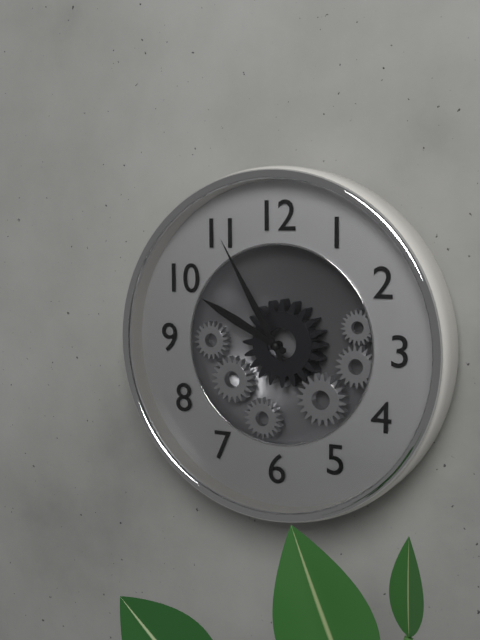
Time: **9:55**
